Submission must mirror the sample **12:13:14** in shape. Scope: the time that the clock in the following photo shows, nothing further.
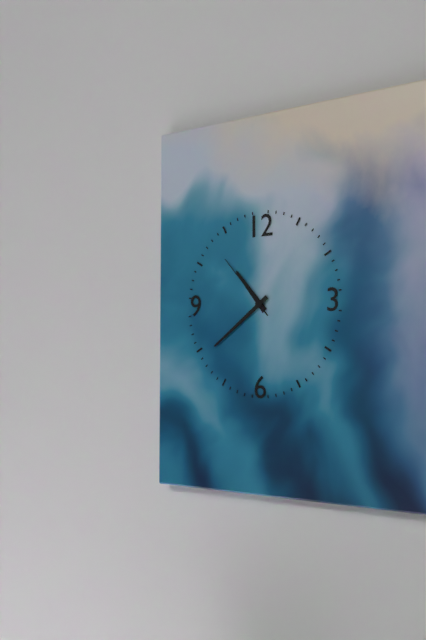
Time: **10:39:53**
